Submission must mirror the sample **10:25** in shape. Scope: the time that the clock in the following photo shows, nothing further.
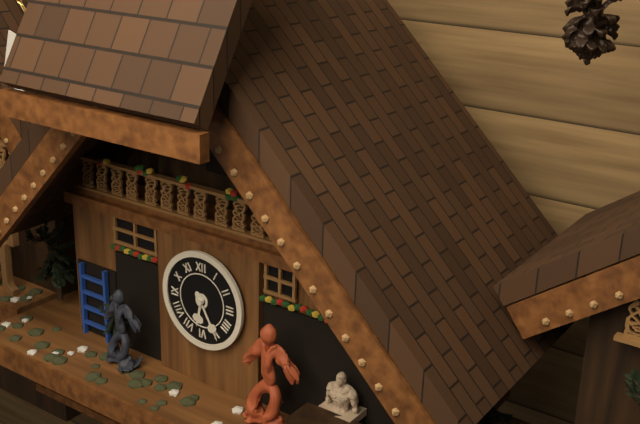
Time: **6:25**
